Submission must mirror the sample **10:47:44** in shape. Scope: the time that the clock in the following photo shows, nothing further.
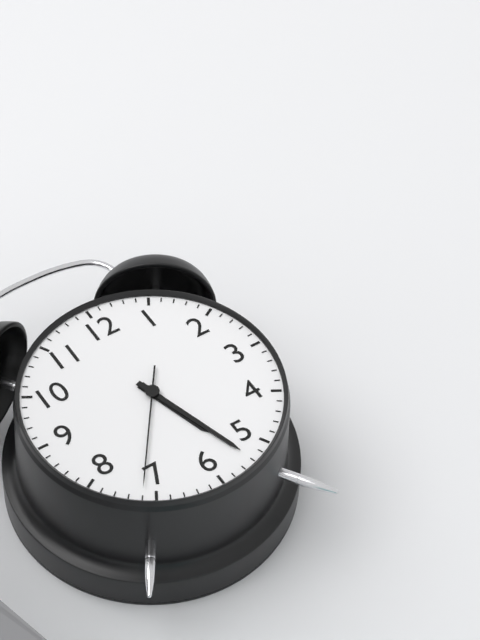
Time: **5:27:36**
